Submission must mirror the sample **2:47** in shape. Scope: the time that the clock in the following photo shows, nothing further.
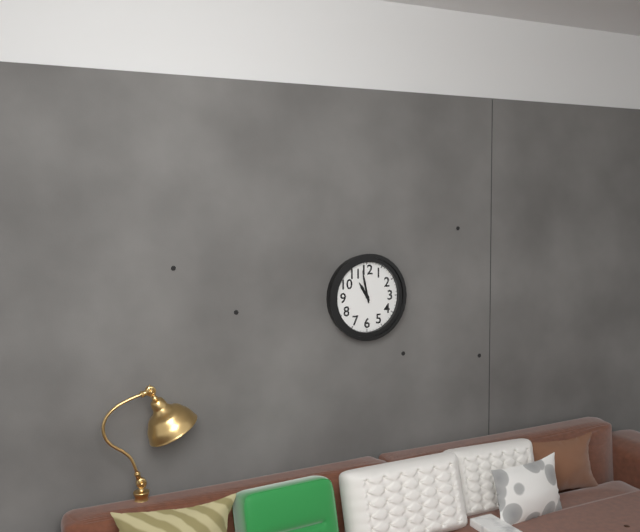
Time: **10:58**
